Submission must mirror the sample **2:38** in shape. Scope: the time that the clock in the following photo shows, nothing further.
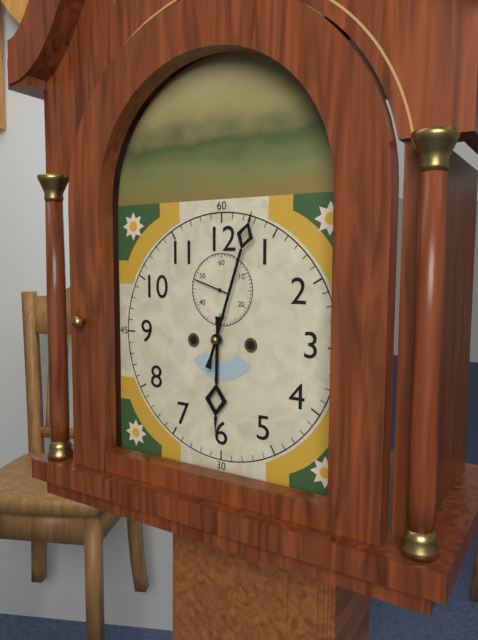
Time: **6:03**
